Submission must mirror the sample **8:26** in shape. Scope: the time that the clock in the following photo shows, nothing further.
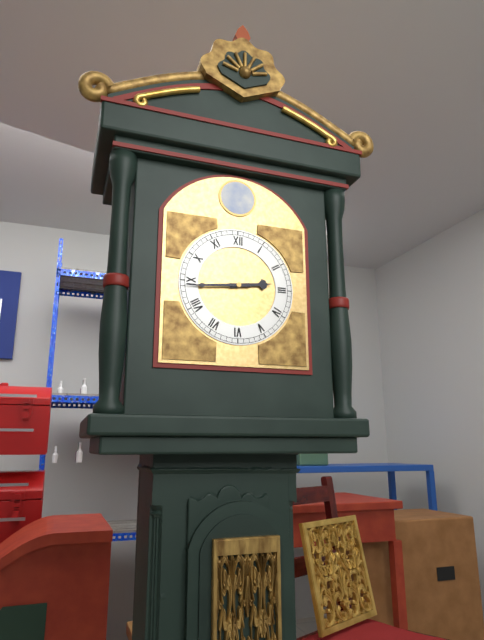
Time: **2:44**
